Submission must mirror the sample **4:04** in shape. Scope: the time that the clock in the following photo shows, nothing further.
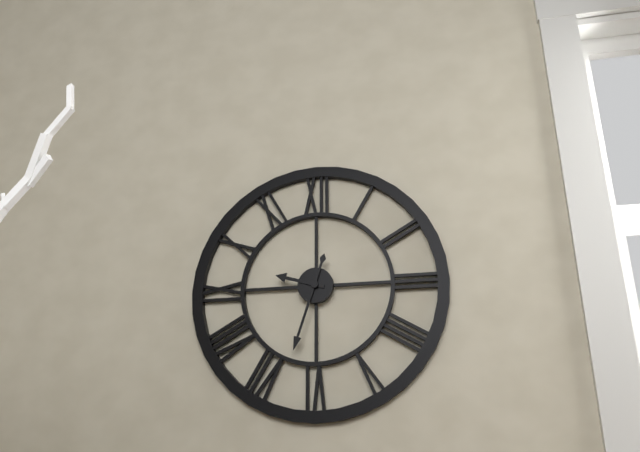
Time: **9:33**
